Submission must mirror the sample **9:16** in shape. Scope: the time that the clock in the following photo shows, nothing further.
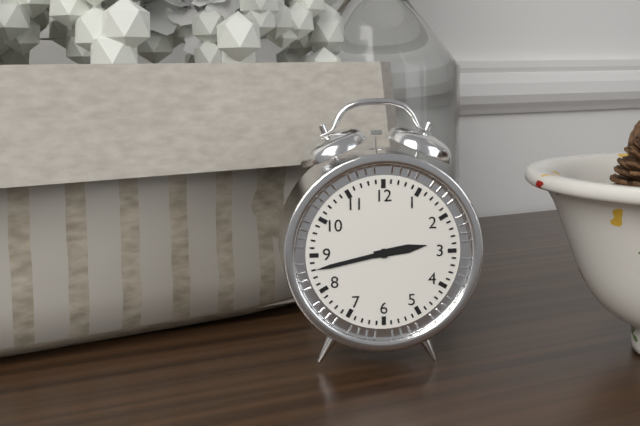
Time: **2:43**
